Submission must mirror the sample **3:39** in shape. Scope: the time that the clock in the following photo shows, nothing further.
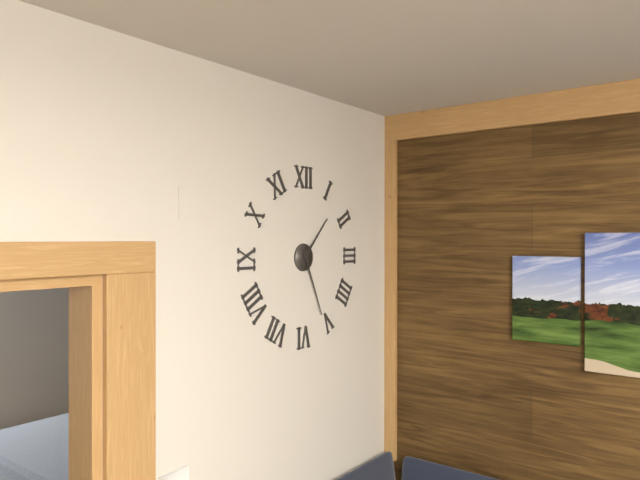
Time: **1:26**
